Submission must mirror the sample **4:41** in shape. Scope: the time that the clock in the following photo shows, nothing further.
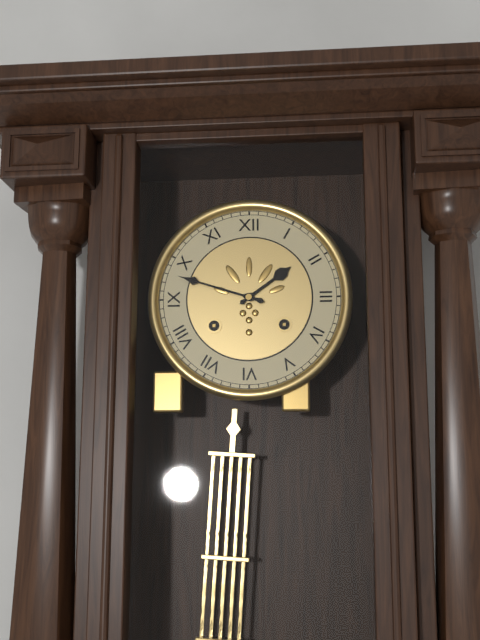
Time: **1:48**
